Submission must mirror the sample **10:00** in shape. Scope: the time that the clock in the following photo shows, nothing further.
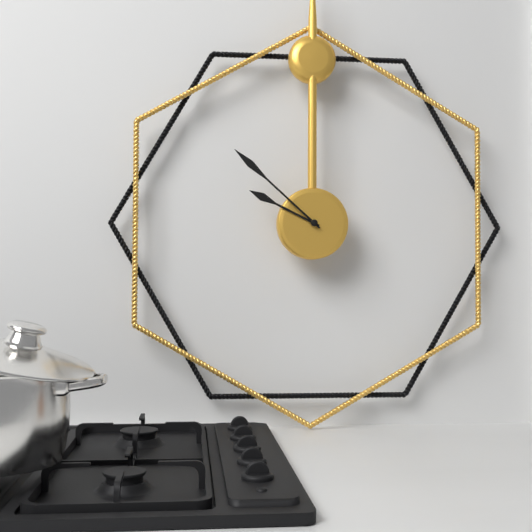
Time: **9:52**
